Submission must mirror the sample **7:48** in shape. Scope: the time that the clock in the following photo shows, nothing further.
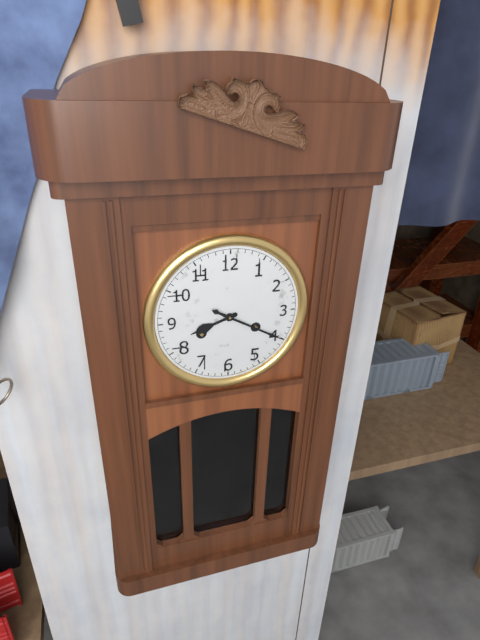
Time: **8:20**
